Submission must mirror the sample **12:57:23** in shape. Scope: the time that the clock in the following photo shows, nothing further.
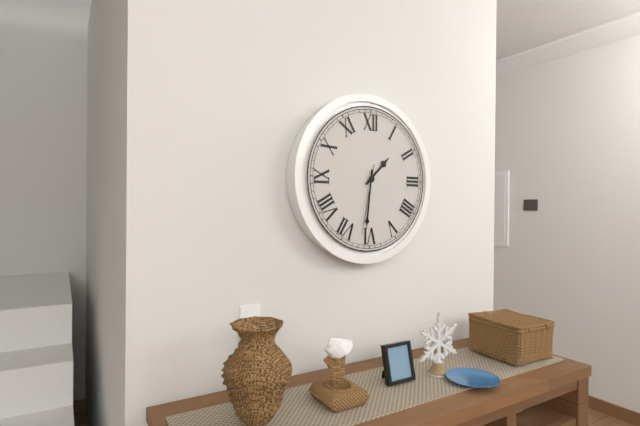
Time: **1:31:32**
